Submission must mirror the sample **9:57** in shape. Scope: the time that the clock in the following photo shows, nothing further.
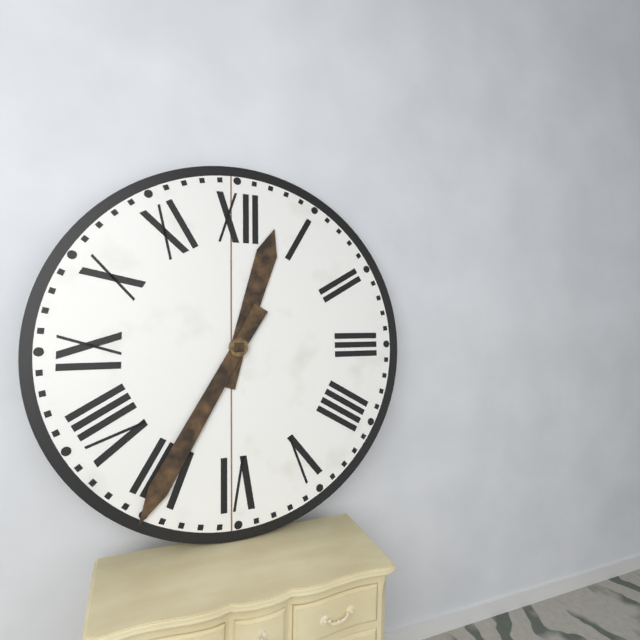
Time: **12:35**
